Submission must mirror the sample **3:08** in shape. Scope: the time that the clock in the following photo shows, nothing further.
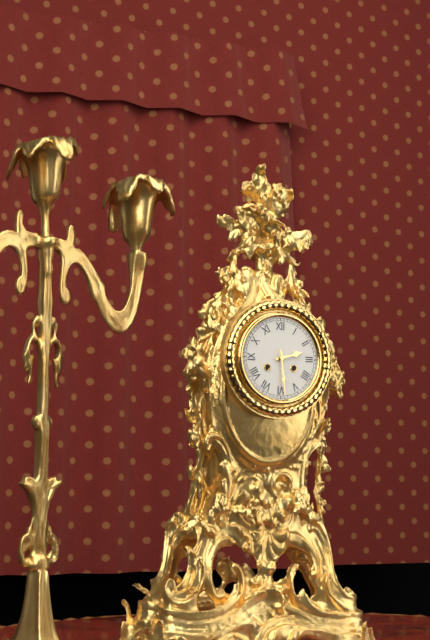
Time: **2:29**
